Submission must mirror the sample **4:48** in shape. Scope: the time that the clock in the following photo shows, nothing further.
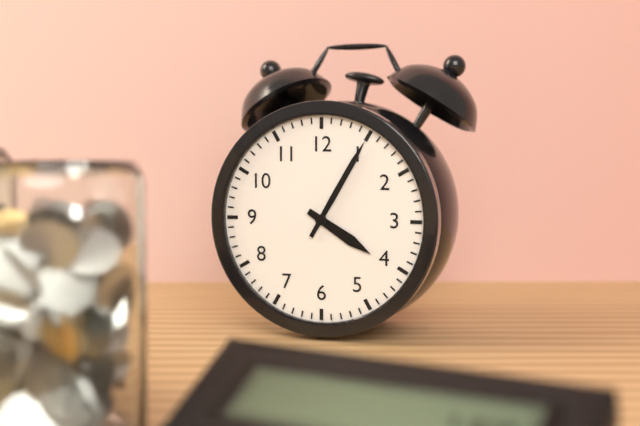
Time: **4:05**
